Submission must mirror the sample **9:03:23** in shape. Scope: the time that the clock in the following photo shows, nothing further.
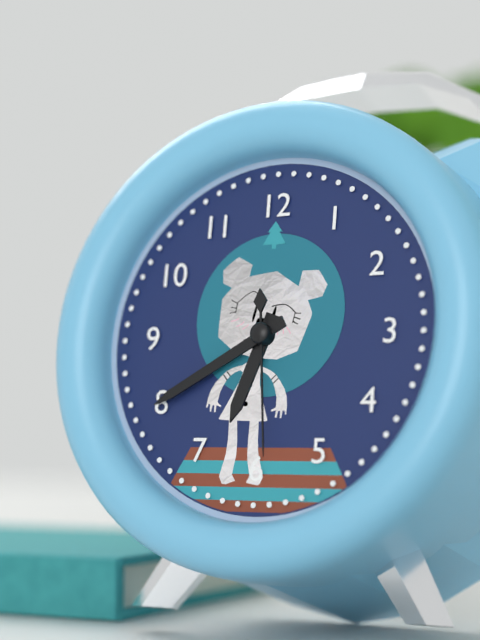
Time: **6:40:29**
